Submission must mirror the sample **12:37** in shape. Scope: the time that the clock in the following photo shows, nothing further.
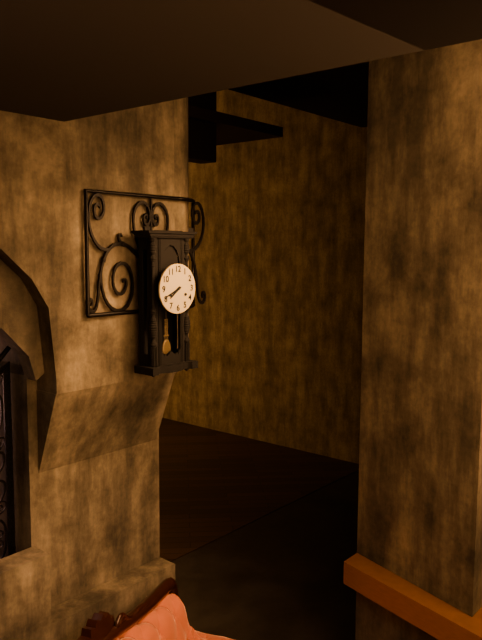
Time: **7:41**
